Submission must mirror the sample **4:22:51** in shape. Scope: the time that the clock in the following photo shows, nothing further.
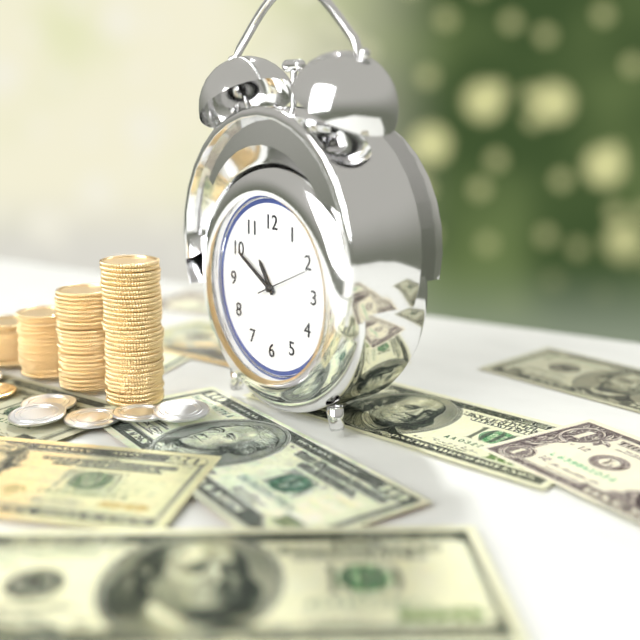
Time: **10:50:11**
